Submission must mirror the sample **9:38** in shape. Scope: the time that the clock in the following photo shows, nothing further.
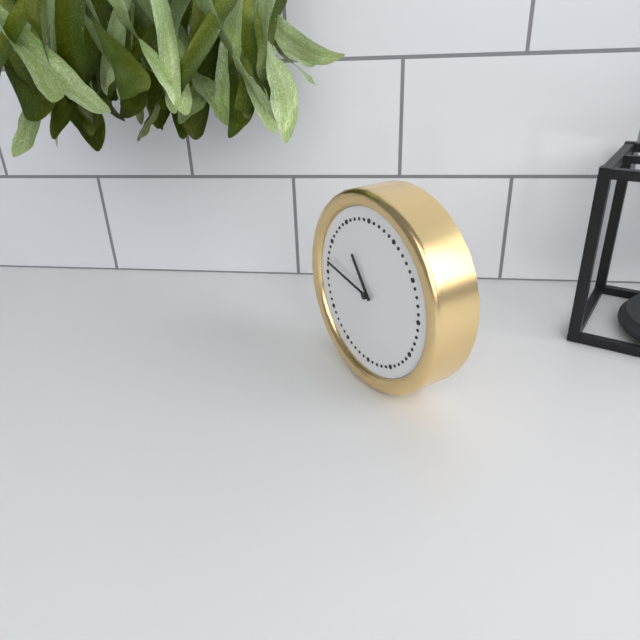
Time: **10:47**
